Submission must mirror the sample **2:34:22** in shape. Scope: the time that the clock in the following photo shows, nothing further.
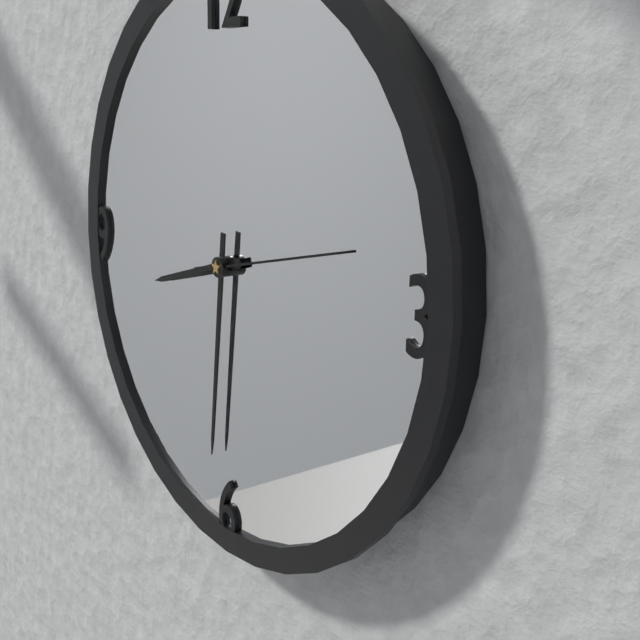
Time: **8:31:13**
